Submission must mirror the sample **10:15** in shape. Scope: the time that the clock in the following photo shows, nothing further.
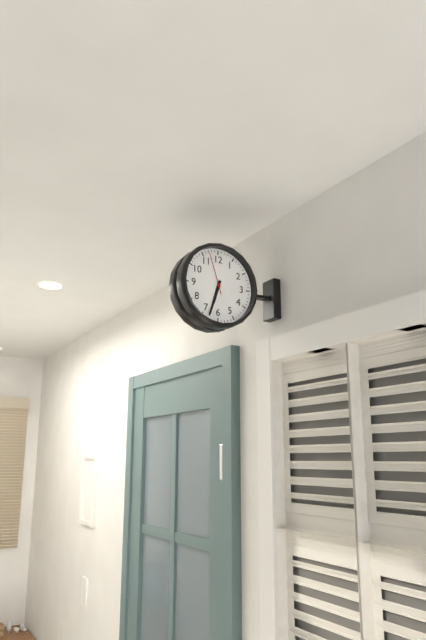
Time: **6:33**
